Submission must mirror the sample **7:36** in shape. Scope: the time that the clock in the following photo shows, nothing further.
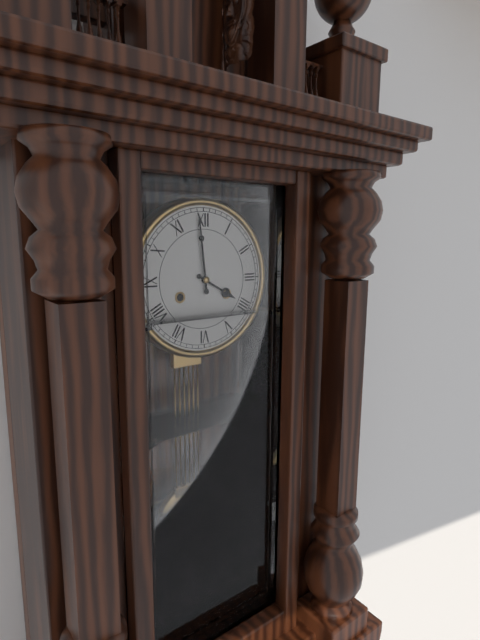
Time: **3:59**
